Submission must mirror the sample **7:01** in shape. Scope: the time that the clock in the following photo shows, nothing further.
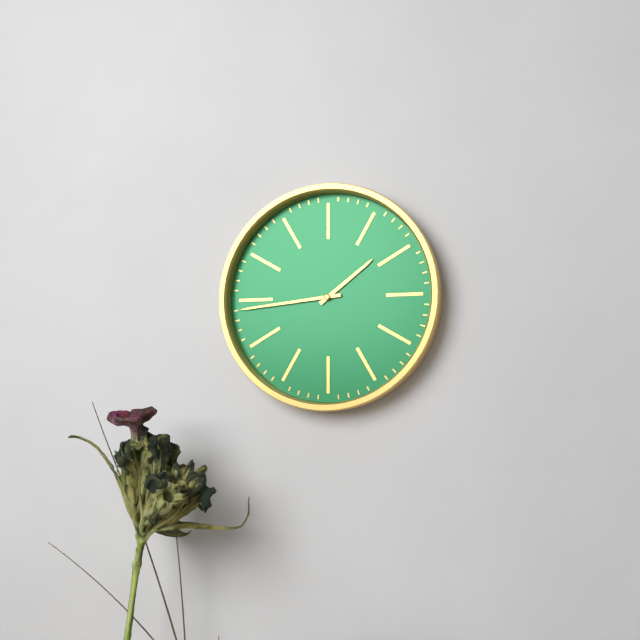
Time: **1:44**
